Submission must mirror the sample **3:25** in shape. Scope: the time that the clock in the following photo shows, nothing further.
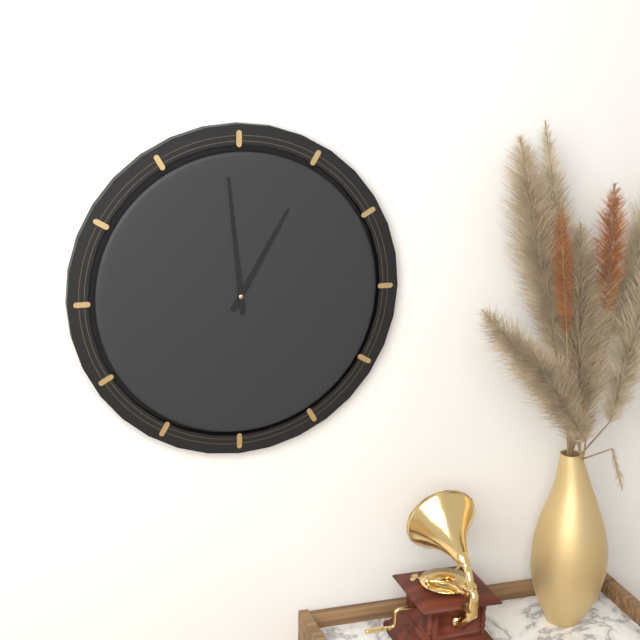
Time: **12:59**
